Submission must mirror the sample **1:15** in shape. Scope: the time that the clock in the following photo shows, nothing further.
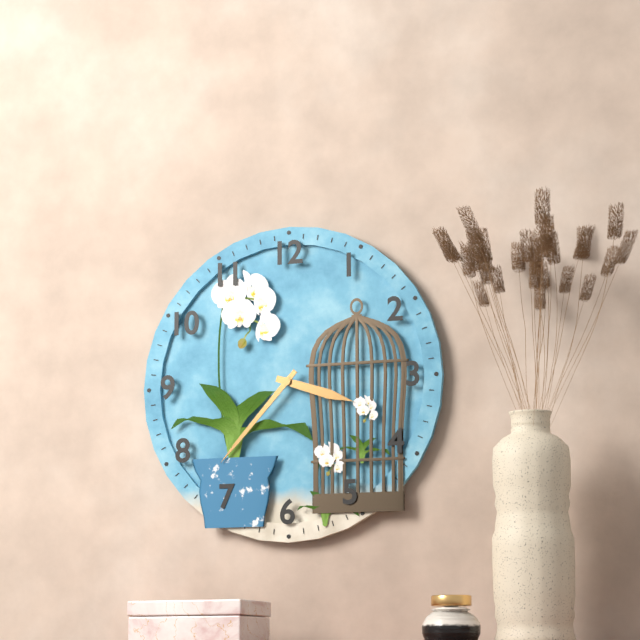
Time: **3:37**
